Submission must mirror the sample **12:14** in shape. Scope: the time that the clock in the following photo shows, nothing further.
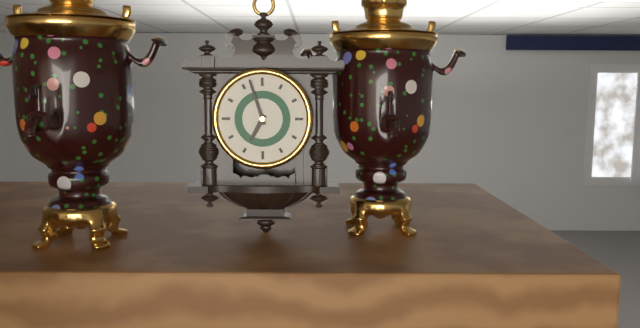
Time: **6:57**
